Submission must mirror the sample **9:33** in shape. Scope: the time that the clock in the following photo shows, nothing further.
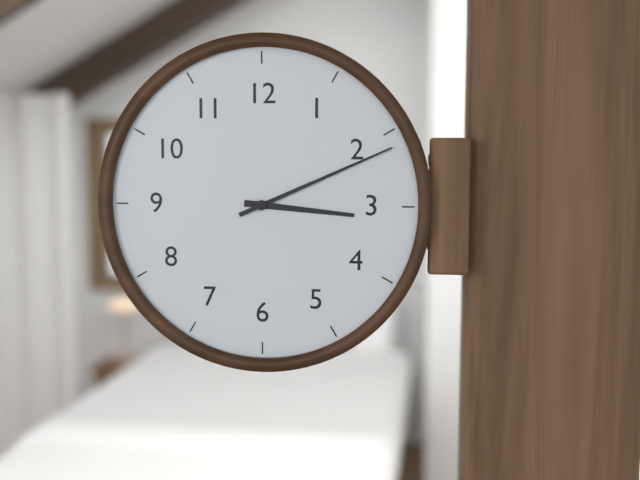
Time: **3:11**
